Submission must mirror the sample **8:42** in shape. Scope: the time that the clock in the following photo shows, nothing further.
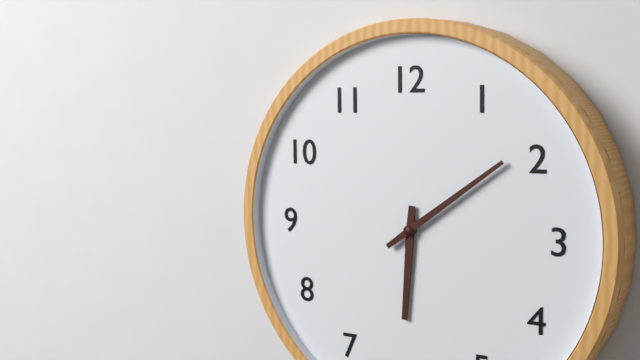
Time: **6:09**
